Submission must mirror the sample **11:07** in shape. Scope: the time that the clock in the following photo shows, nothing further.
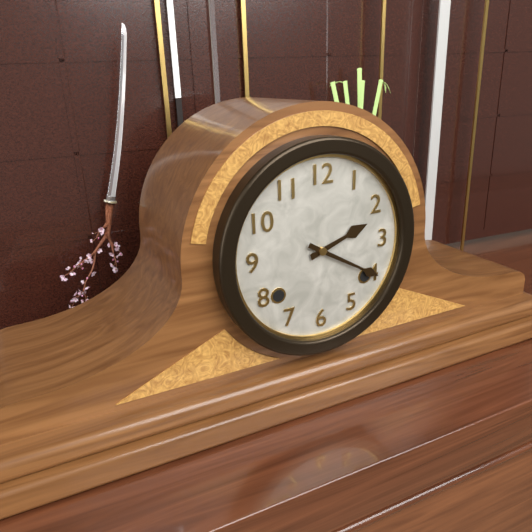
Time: **2:20**
